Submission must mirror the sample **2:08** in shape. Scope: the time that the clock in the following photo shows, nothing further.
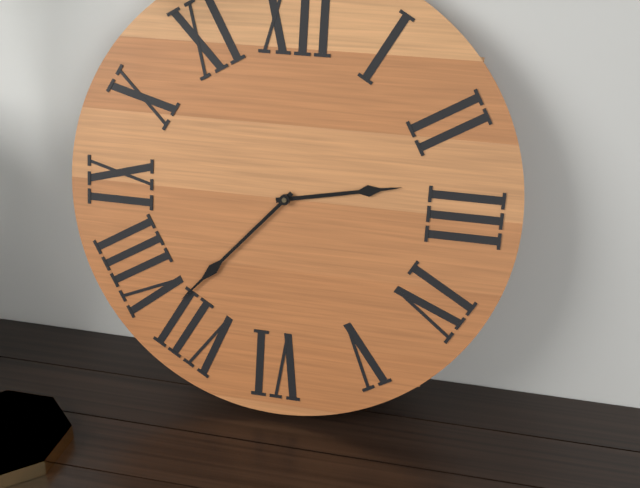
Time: **2:37**
